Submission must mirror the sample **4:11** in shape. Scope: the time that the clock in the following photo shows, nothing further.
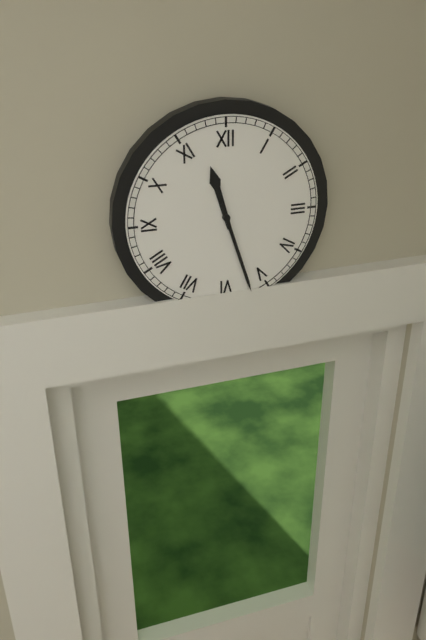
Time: **11:27**
